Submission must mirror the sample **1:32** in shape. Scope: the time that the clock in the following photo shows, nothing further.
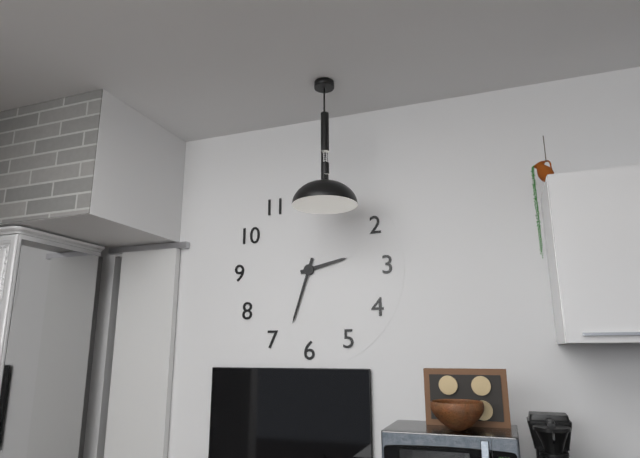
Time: **2:33**
